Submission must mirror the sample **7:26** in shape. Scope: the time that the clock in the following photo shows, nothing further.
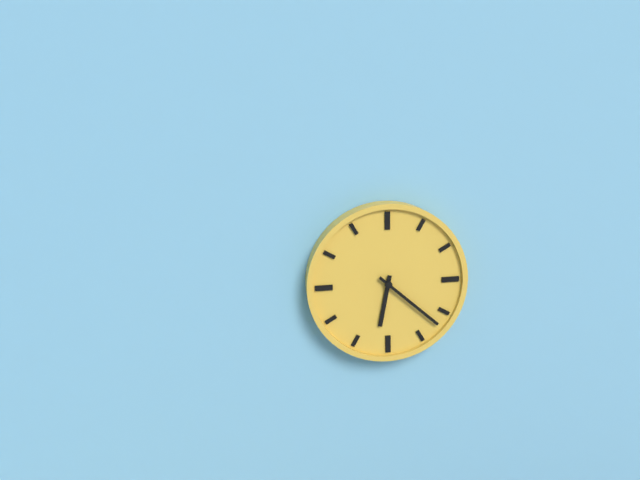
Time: **6:22**
